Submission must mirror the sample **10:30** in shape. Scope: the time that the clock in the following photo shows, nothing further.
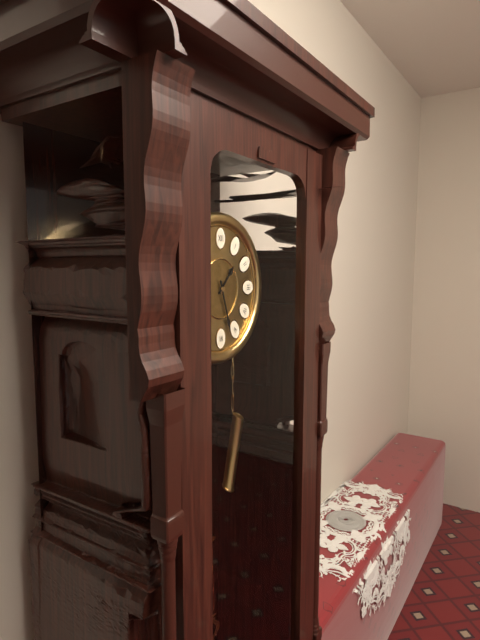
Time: **1:27**
